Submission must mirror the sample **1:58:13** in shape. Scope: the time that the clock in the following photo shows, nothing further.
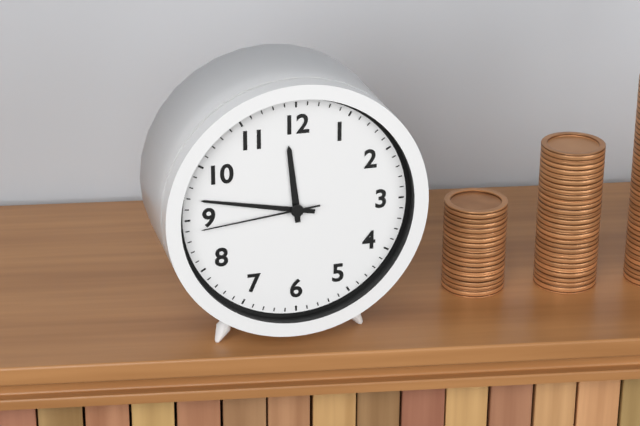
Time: **11:47:44**
